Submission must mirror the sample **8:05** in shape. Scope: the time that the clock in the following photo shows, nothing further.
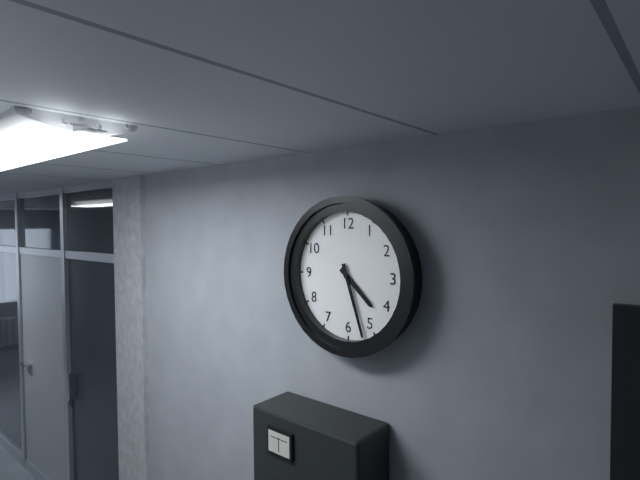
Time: **4:27**
